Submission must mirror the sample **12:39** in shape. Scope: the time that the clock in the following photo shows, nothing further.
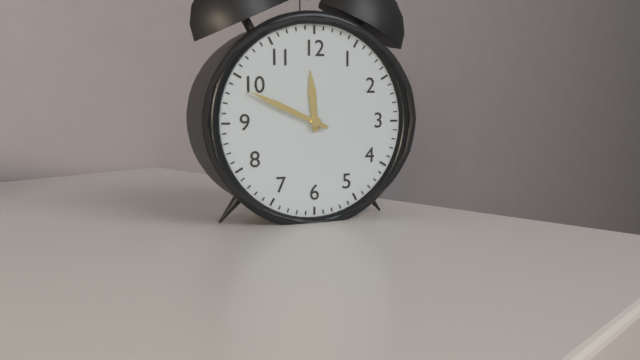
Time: **11:49**
